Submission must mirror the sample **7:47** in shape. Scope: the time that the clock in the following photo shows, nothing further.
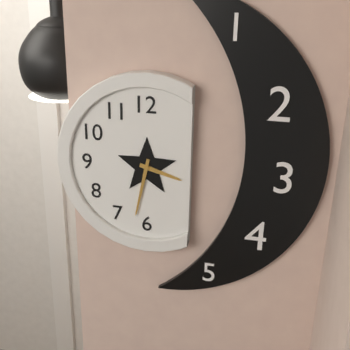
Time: **3:32**
